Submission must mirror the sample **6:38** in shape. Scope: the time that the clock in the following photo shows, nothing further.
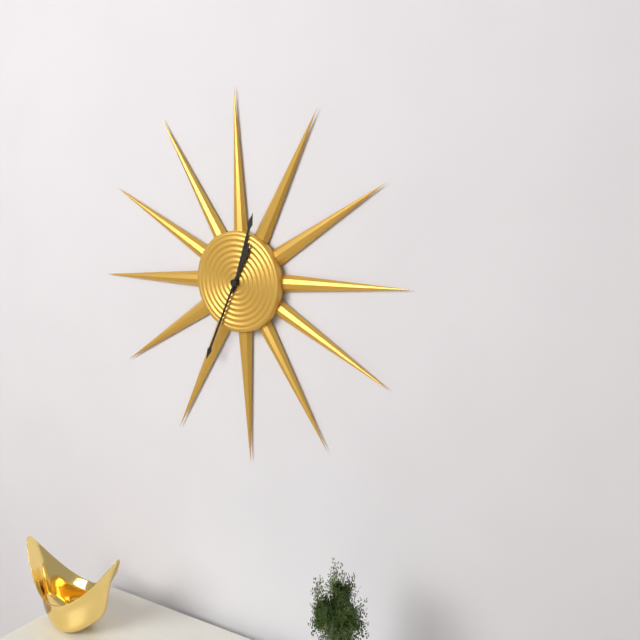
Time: **12:34**
